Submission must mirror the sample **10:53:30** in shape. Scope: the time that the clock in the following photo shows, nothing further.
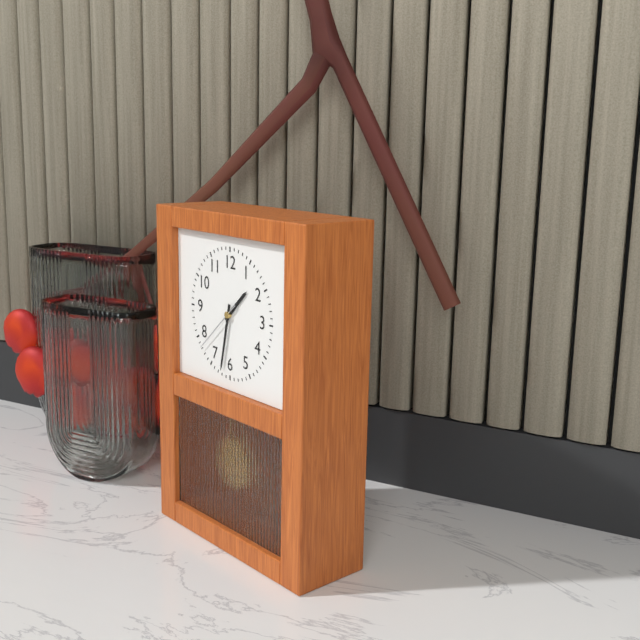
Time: **1:32:38**
